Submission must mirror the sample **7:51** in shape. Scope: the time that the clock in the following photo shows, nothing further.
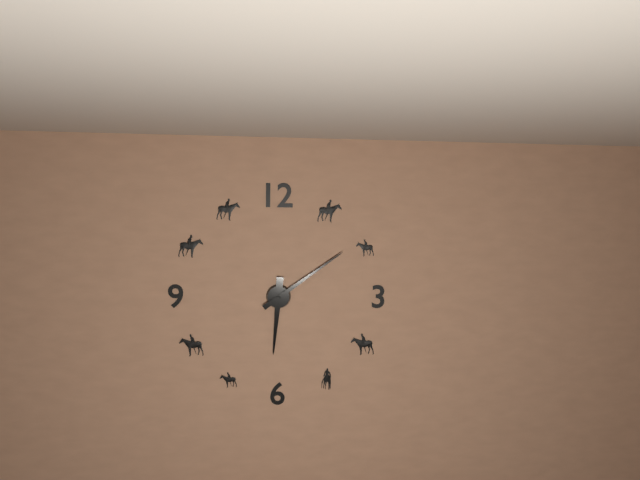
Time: **6:09**
